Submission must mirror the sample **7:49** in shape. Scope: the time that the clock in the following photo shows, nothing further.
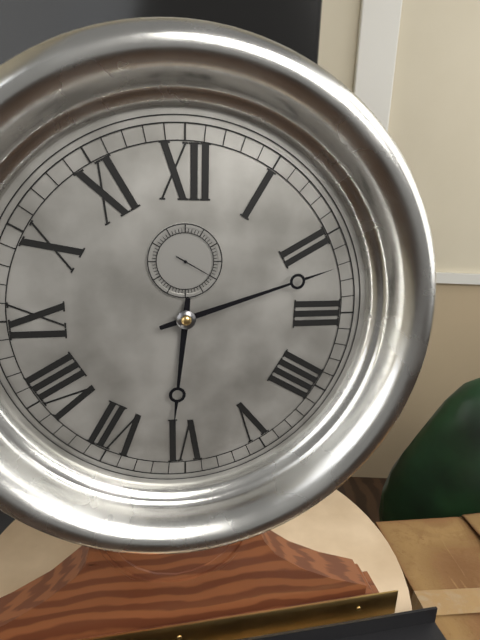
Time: **6:12**
